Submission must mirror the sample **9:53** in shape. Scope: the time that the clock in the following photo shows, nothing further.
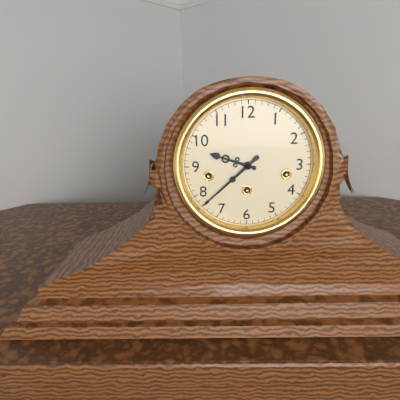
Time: **9:38**
